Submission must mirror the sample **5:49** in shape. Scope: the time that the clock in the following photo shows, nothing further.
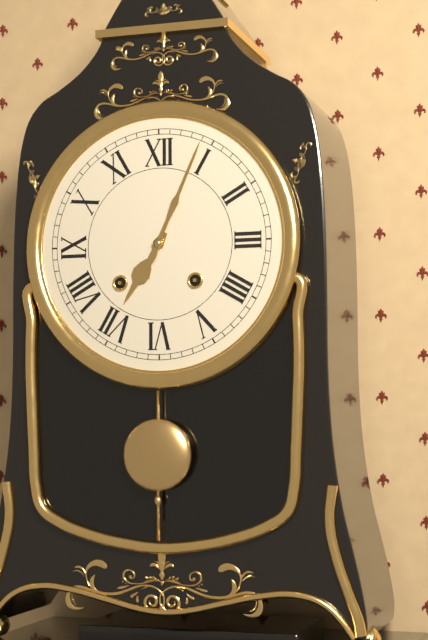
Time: **7:04**
